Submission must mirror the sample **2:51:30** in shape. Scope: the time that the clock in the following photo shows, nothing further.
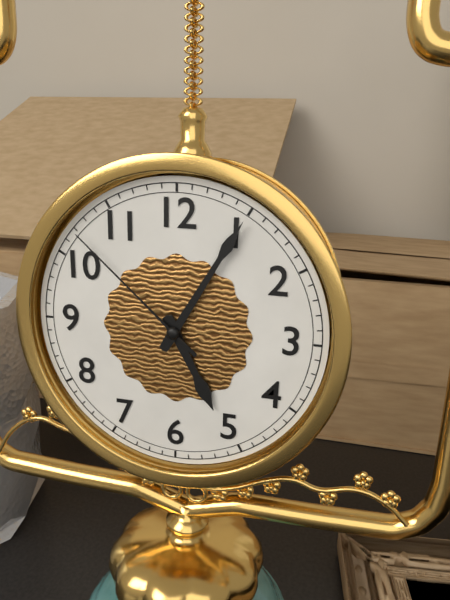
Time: **5:05:52**
